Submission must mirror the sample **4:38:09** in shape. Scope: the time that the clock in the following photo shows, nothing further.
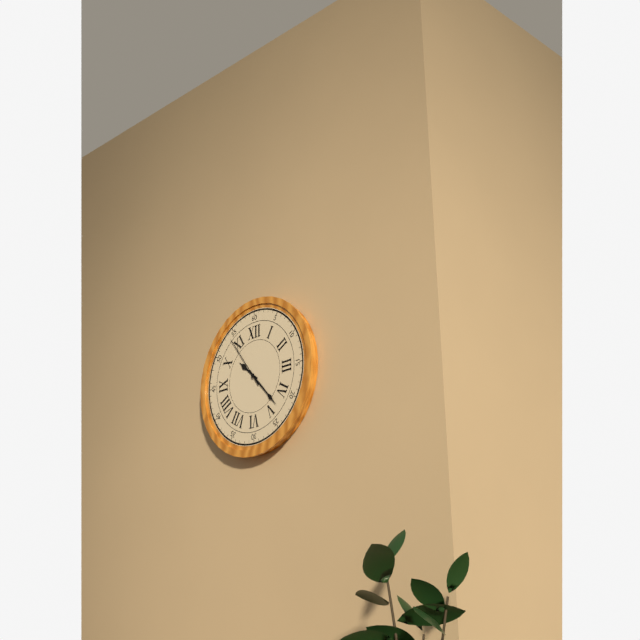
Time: **10:23:54**
